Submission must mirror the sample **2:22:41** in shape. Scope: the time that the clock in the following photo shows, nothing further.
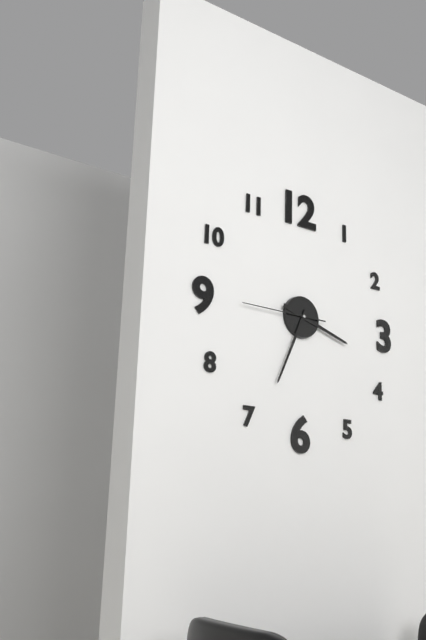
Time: **3:34:45**
